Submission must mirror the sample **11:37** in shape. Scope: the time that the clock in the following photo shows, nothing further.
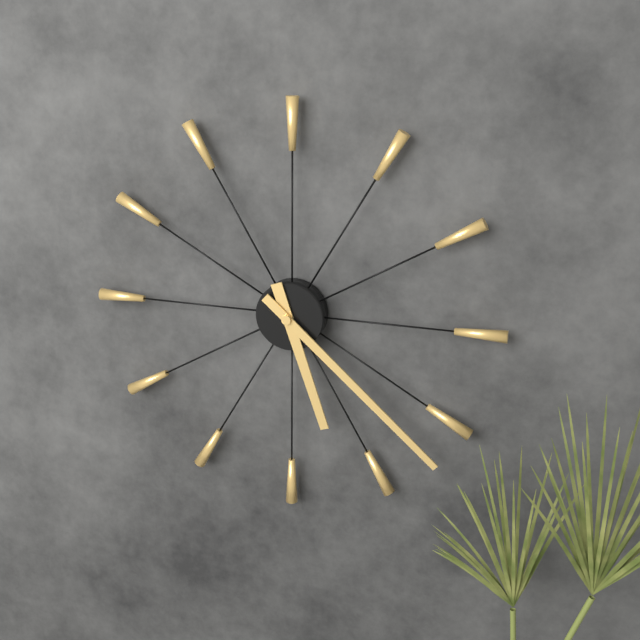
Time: **5:22**
